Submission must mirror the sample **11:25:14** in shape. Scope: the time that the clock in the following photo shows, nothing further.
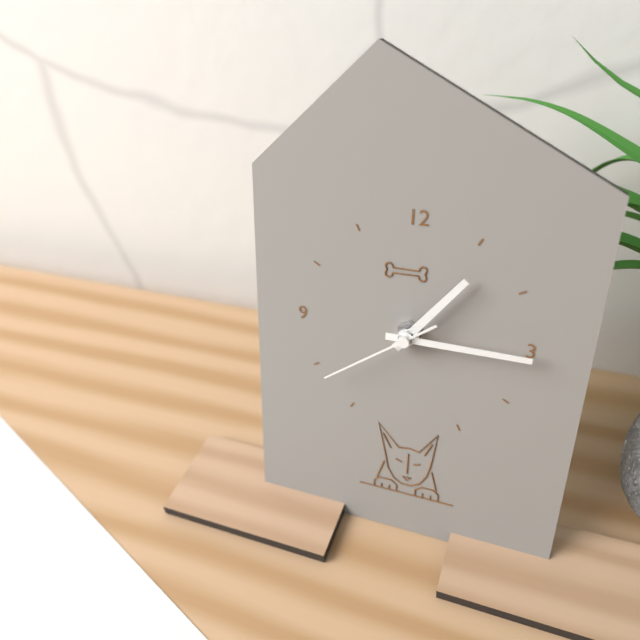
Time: **1:15:39**
